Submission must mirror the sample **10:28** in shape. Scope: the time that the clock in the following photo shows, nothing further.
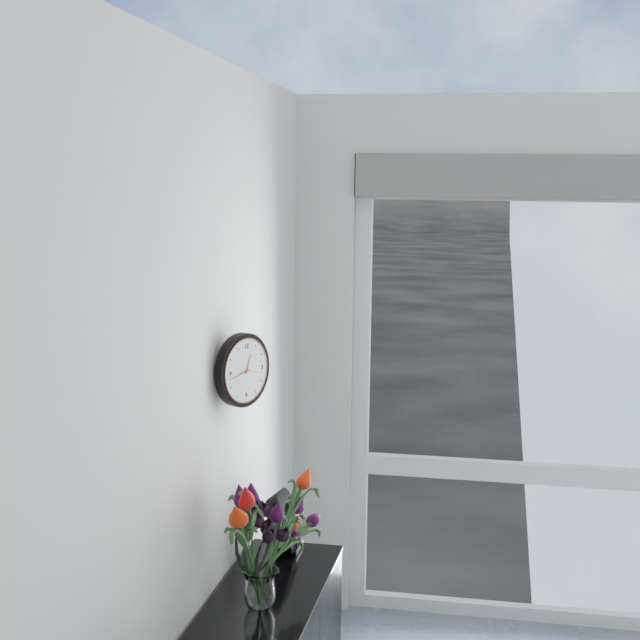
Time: **12:43**
